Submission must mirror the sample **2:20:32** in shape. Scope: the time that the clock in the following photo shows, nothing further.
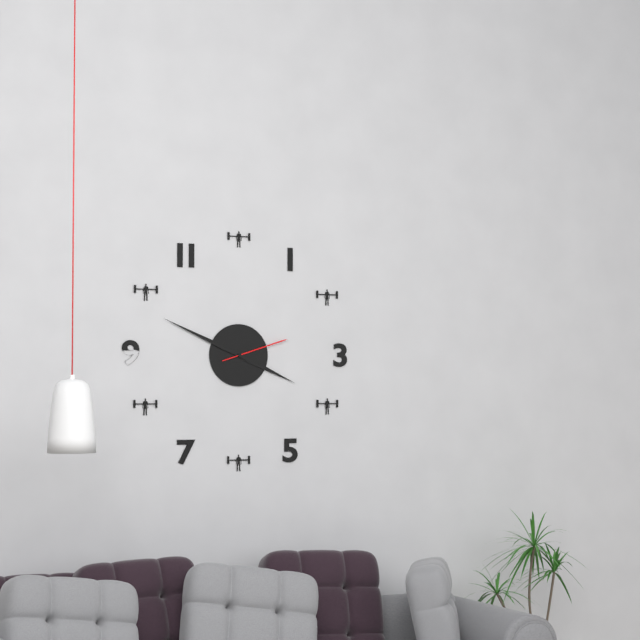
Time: **3:49:12**
